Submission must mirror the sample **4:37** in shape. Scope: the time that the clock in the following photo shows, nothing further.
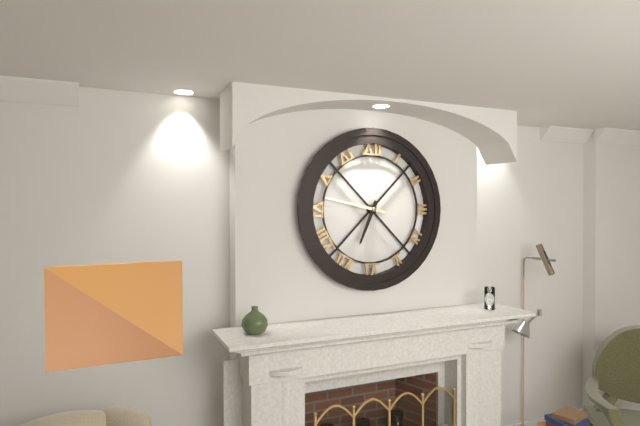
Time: **6:47**
